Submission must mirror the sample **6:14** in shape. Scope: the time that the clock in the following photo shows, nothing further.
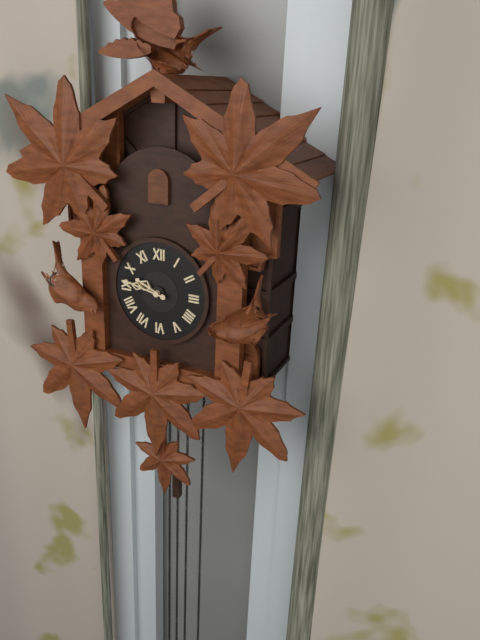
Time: **9:47**
